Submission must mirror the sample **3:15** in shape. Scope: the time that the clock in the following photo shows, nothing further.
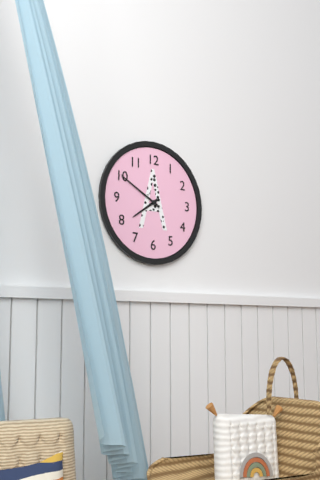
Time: **7:50**
